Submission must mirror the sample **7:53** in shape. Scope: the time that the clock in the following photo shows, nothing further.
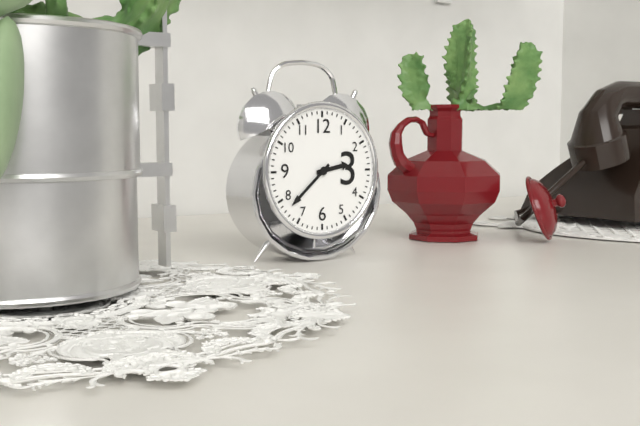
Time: **2:38**
